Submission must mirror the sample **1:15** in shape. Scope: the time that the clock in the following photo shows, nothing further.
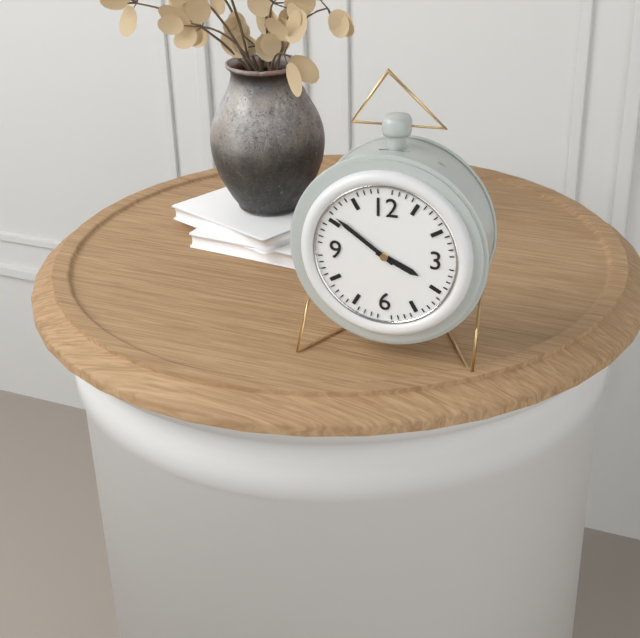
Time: **3:51**
